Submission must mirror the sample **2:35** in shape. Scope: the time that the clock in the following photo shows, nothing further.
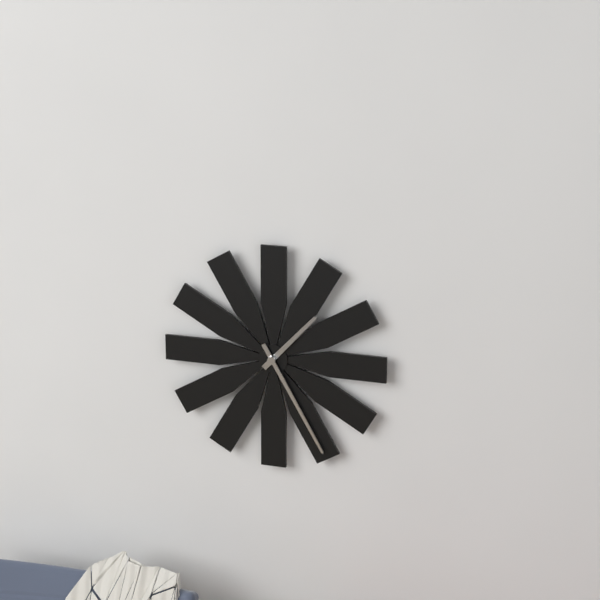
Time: **1:25**
